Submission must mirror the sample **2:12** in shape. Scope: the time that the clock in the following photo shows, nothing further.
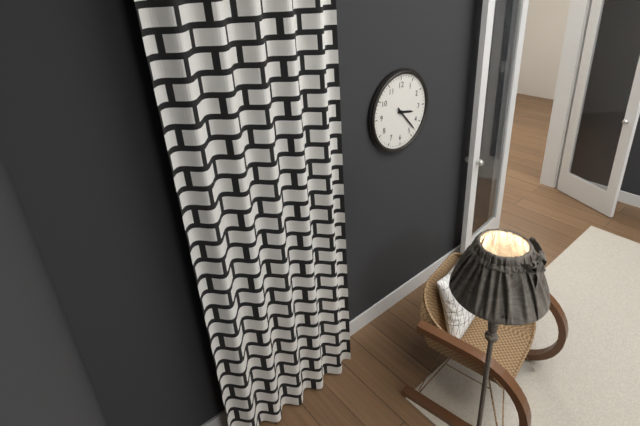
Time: **3:23**
